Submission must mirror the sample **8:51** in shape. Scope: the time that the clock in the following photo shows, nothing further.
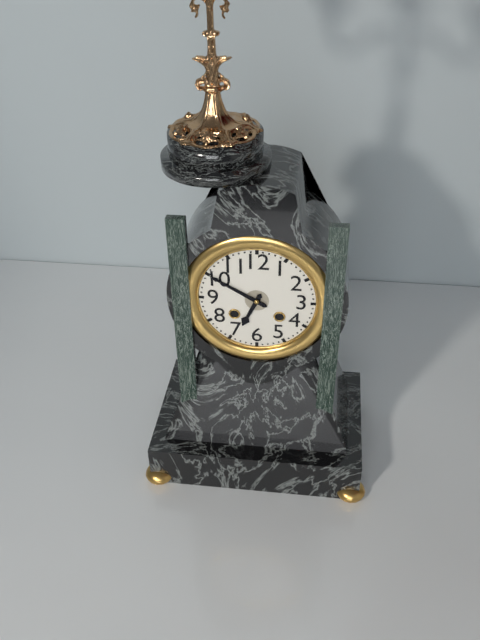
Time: **6:50**
